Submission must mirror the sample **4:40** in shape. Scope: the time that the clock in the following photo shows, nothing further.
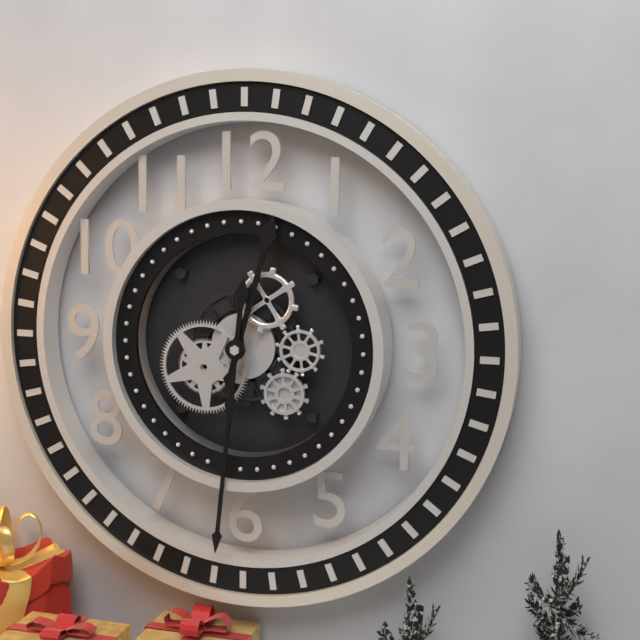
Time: **12:31**
